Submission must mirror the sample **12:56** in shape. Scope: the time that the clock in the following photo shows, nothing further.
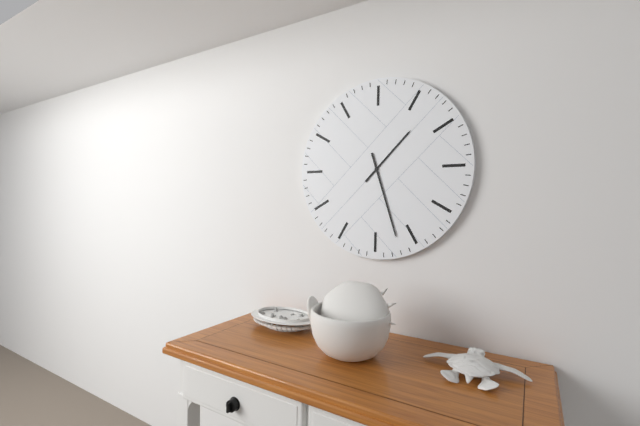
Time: **1:27**
